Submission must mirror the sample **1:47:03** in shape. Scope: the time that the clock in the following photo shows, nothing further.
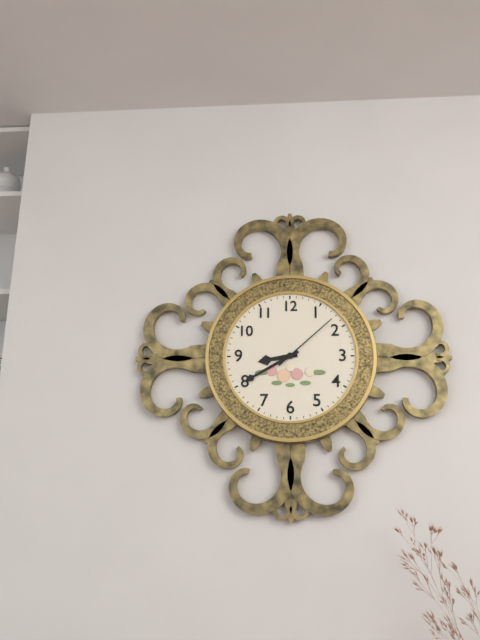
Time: **8:40:08**
